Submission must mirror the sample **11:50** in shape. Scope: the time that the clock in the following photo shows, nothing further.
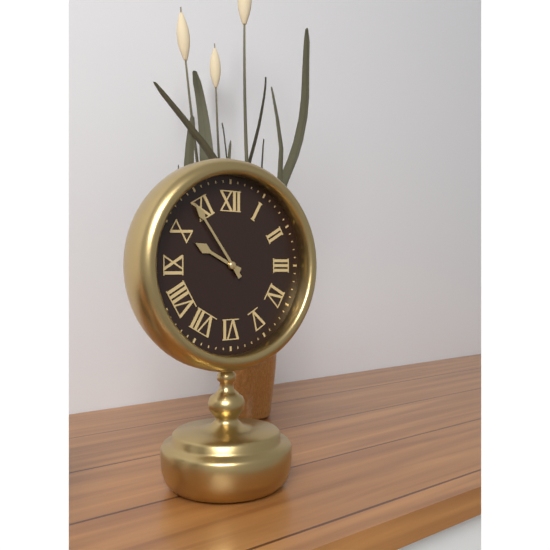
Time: **9:54**
